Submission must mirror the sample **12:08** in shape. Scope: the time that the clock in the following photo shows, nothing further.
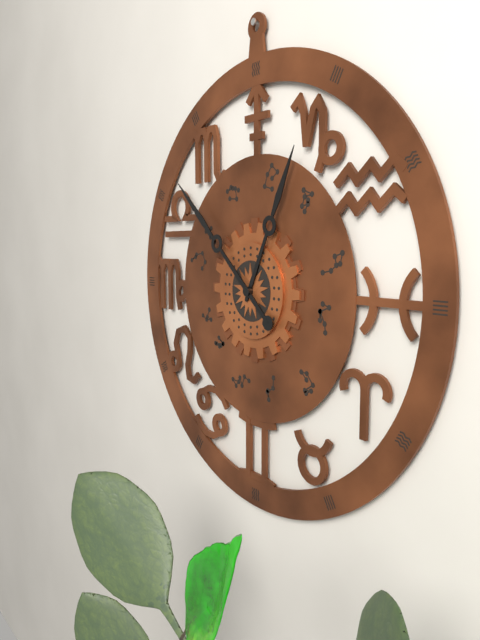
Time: **12:52**
